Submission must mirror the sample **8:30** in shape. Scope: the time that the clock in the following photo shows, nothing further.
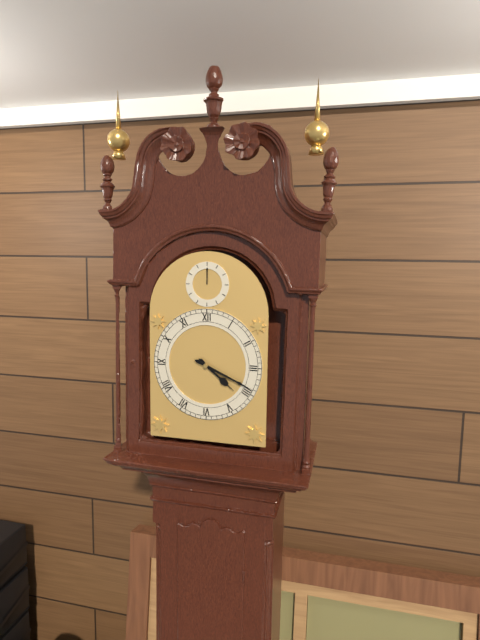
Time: **4:19**
